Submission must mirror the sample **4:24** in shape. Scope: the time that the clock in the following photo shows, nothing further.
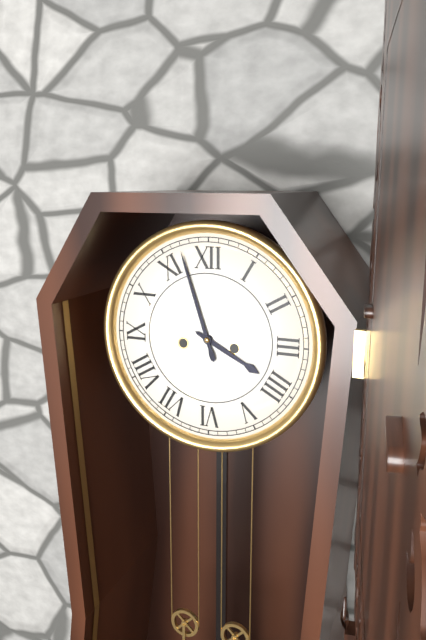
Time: **3:57**
